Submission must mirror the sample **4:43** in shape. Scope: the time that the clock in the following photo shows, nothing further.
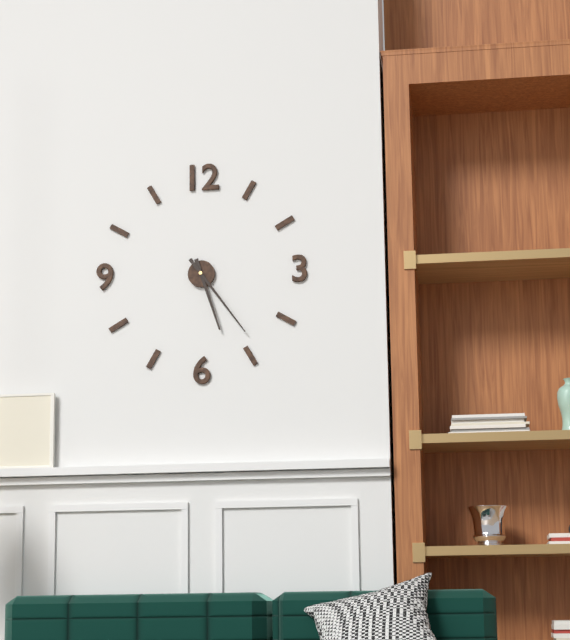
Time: **5:24**
